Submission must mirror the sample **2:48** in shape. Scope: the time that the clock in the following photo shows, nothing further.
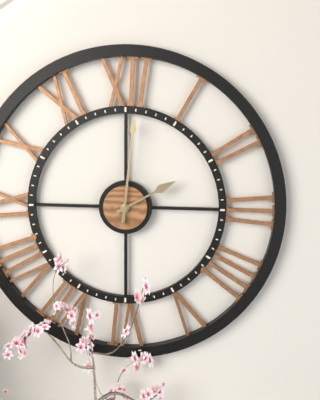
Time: **2:01**
